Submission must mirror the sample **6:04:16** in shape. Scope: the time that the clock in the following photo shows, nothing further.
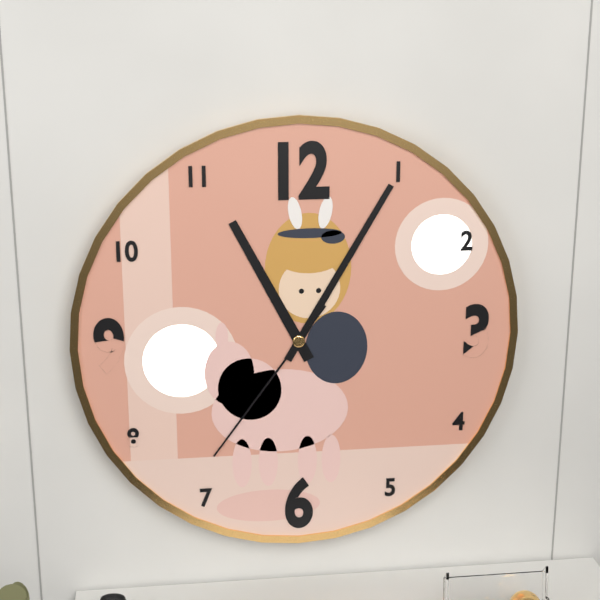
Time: **11:05:36**
